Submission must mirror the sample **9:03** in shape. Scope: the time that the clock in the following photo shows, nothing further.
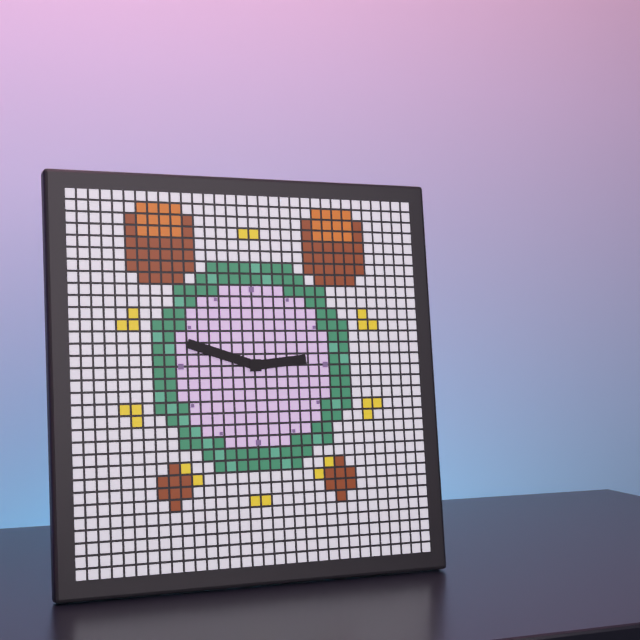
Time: **2:48**
